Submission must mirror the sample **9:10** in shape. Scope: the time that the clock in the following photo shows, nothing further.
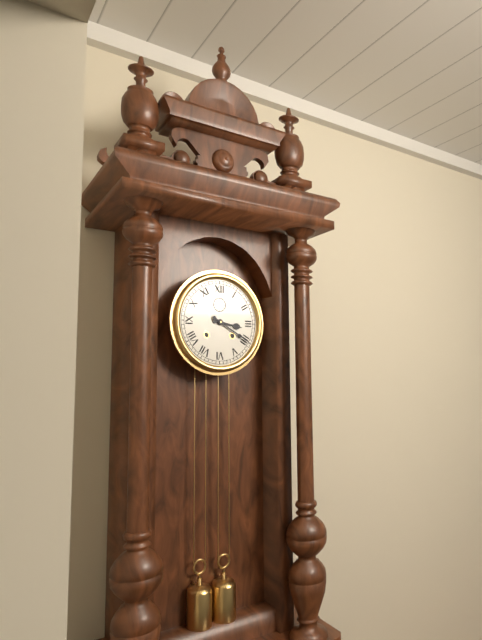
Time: **3:20**
